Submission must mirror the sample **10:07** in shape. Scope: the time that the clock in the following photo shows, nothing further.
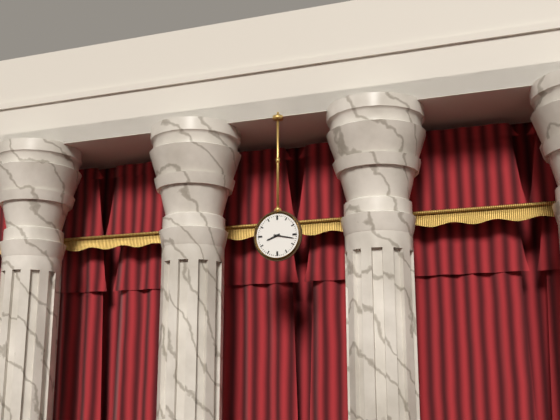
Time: **8:17**
